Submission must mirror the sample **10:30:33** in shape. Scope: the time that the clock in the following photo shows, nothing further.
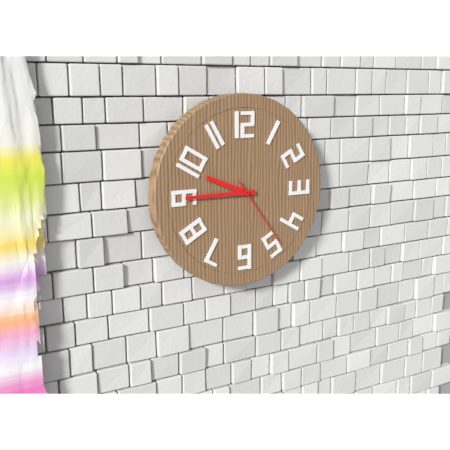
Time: **9:45:24**
